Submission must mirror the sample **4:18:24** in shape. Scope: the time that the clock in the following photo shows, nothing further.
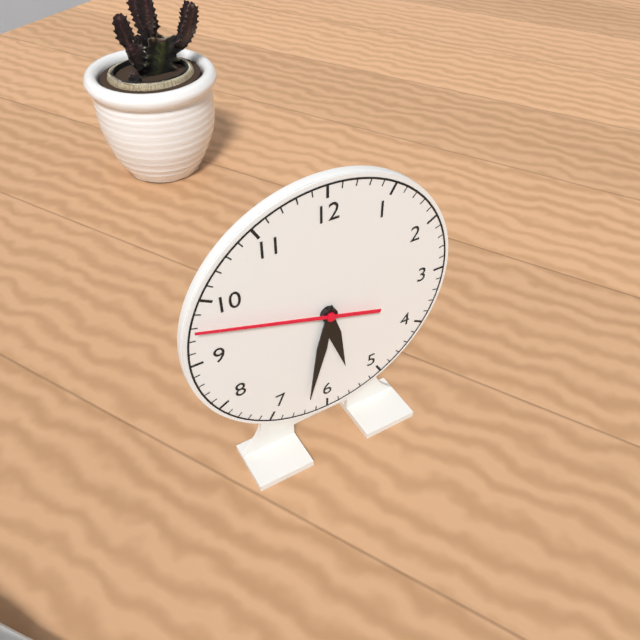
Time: **5:32:48**
